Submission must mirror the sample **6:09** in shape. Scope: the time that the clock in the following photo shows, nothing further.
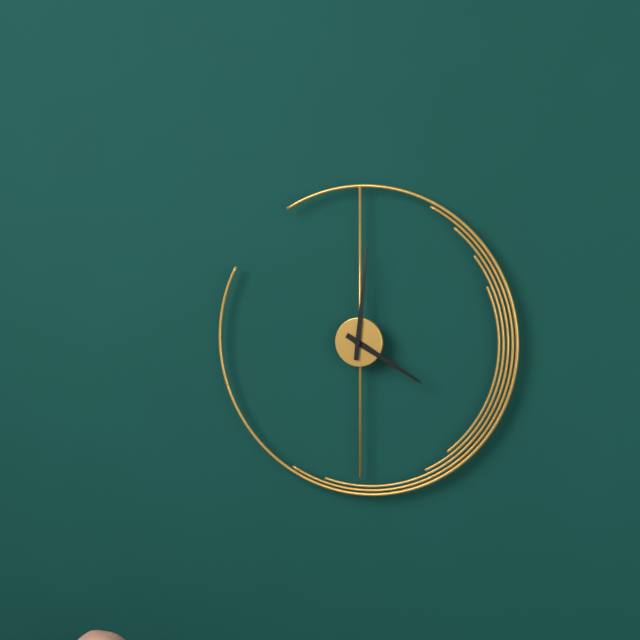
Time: **4:01**
